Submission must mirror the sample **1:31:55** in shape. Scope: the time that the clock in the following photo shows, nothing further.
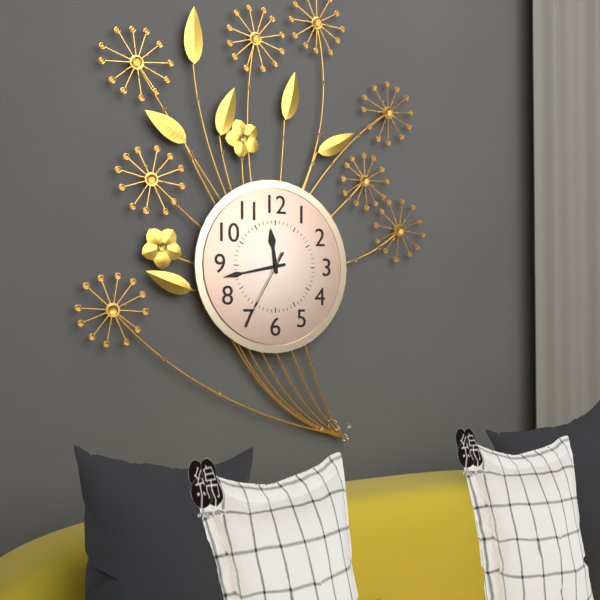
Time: **11:43:35**
